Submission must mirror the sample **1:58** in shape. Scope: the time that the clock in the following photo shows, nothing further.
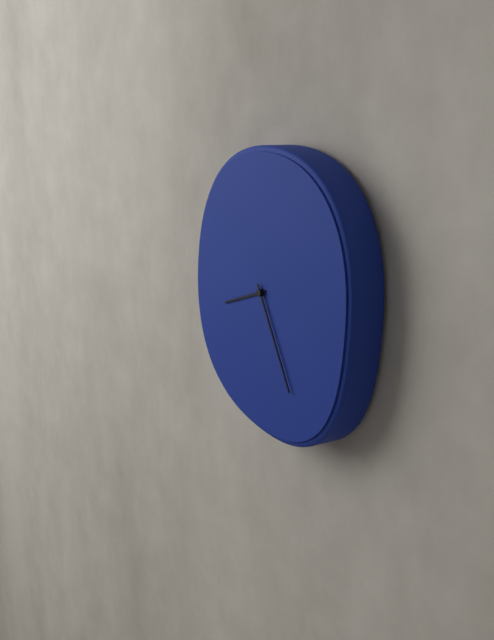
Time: **8:25**
